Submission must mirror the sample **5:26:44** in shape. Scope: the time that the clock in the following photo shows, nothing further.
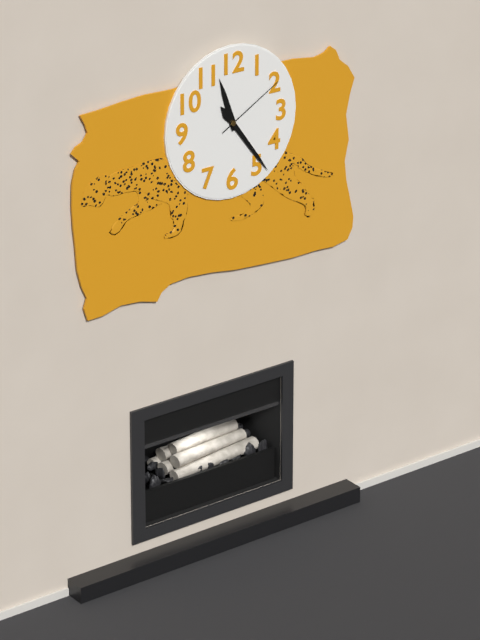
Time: **11:24:10**
